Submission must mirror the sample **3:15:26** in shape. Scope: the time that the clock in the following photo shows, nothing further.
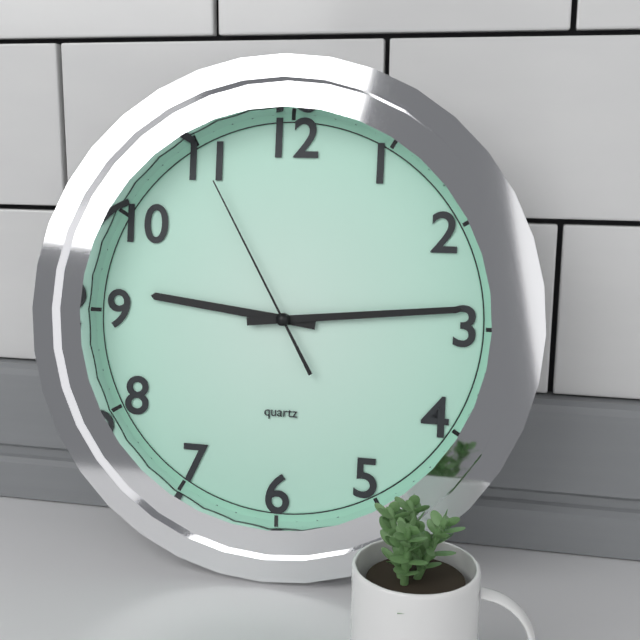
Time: **9:14:55**
